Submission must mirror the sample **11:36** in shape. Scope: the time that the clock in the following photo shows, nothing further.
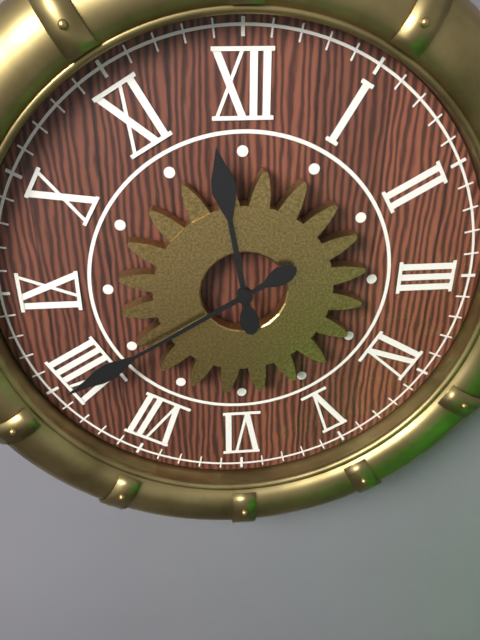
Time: **11:40**
